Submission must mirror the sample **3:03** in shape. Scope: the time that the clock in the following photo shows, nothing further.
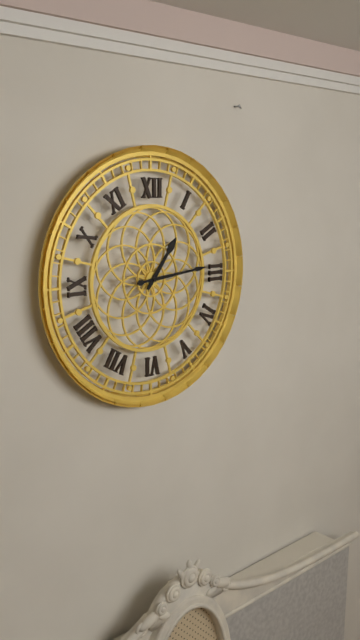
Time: **1:14**
